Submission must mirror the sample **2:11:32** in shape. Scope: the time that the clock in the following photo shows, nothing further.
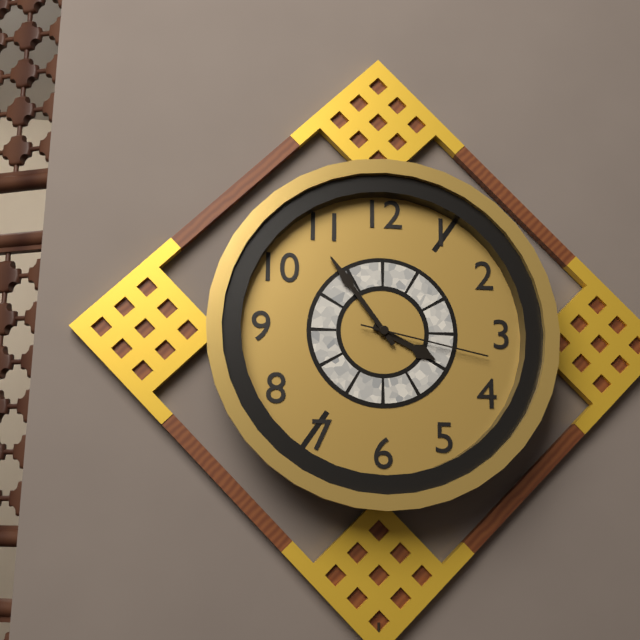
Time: **3:54:17**
